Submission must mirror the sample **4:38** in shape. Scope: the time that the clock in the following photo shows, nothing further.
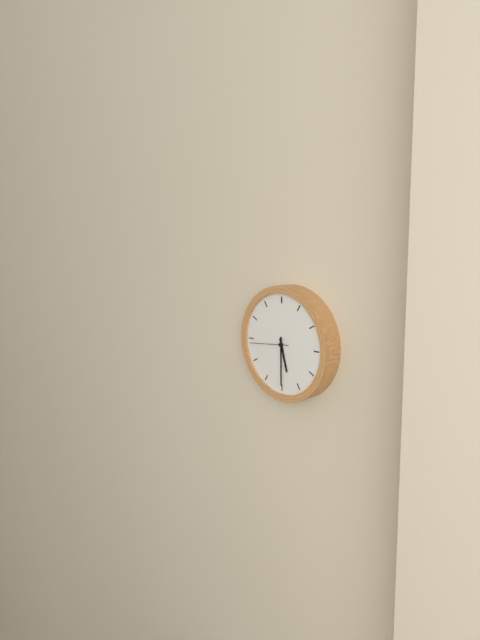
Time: **5:30**
